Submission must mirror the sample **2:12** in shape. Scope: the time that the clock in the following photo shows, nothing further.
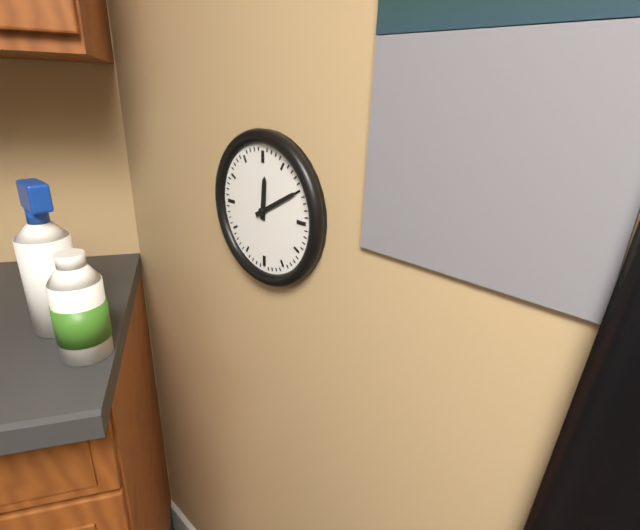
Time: **12:10**
